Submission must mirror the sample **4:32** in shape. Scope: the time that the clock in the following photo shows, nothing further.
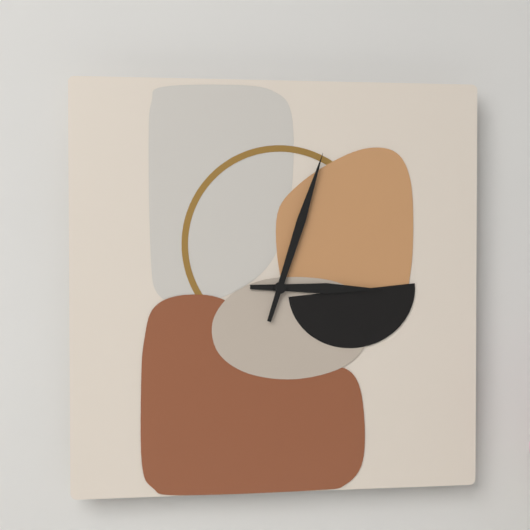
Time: **3:03**
